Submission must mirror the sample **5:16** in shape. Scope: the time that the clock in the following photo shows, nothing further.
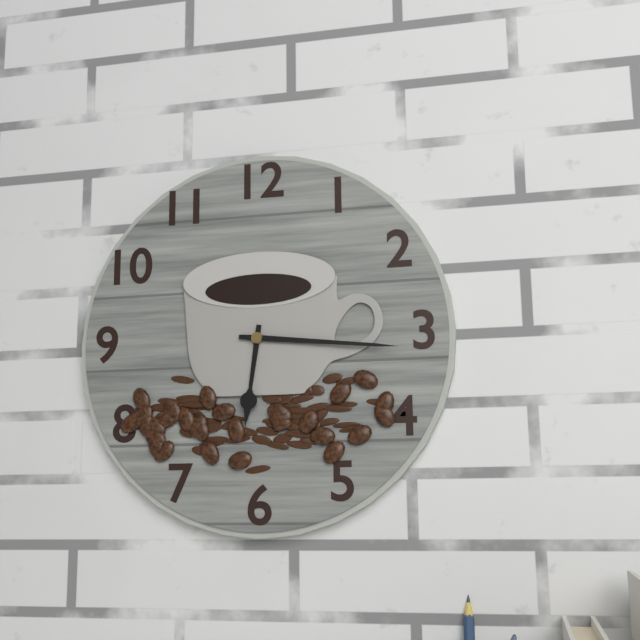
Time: **6:16**
